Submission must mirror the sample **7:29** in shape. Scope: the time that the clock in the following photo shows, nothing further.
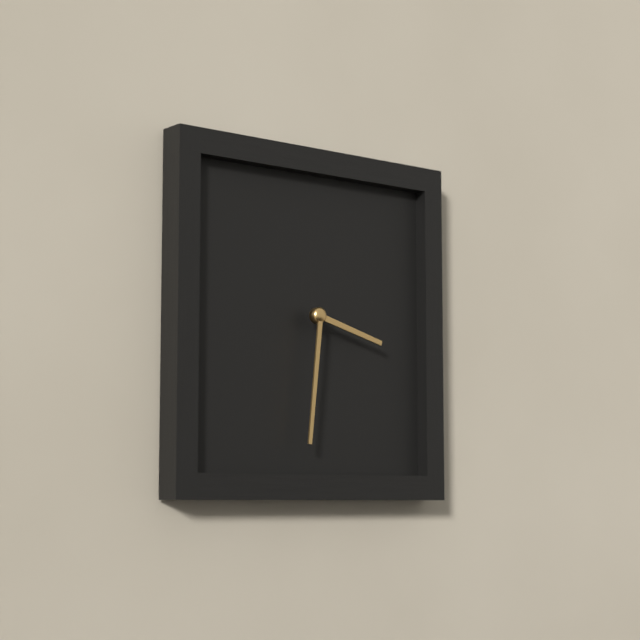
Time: **3:31**
